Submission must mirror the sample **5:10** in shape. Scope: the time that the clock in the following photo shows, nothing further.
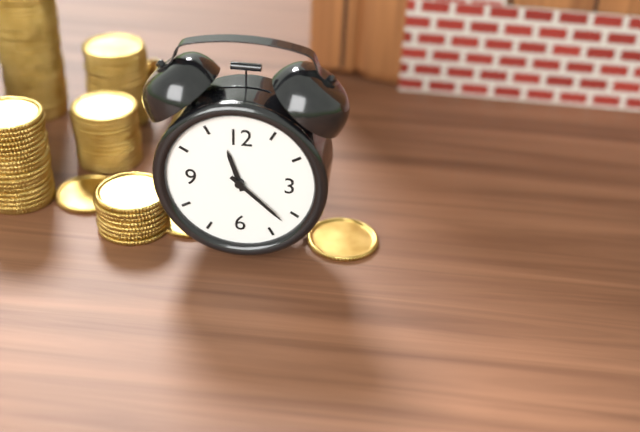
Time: **11:22**
